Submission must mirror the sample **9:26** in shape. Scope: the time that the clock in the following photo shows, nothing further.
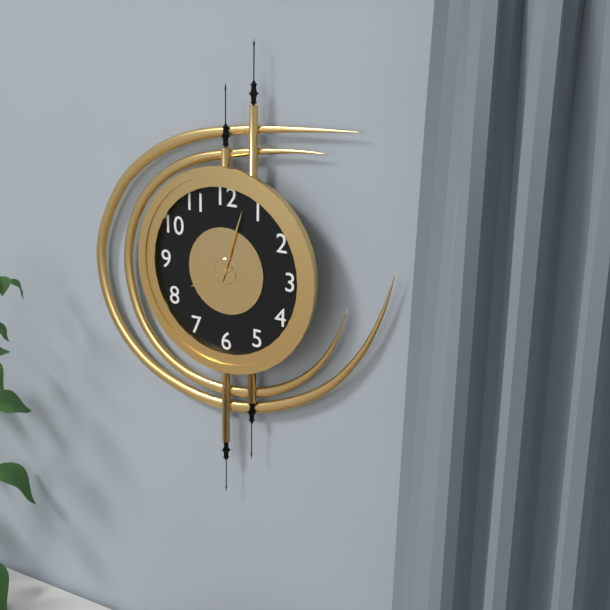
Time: **8:03**
